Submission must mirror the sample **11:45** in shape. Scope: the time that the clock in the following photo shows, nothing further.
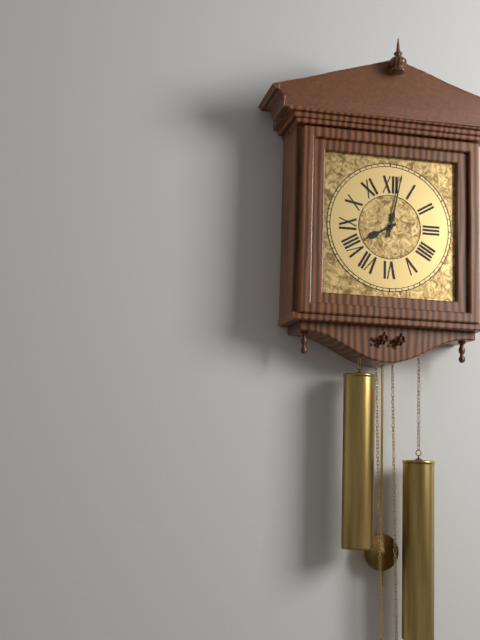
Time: **8:02**
